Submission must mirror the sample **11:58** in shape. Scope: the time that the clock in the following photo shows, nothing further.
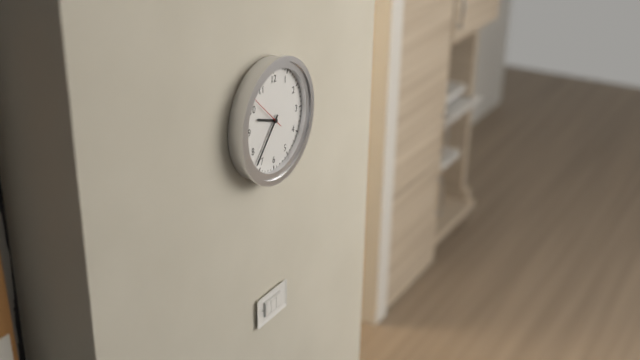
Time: **9:37**
